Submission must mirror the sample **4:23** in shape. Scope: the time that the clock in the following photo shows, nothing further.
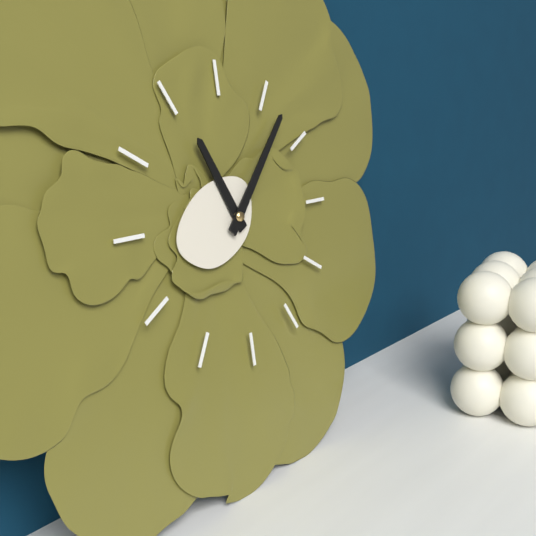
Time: **11:07**
